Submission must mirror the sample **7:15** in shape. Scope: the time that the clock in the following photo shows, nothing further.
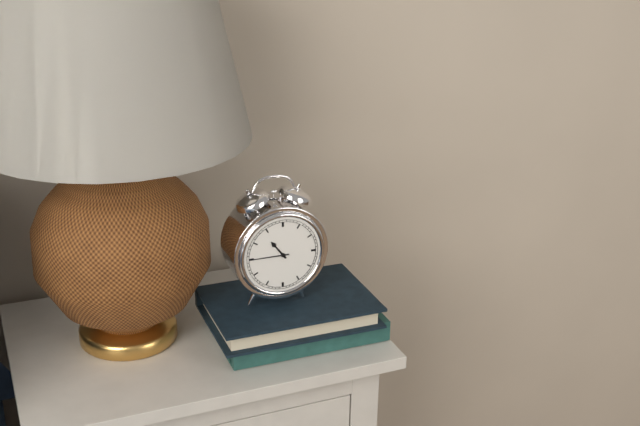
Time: **10:45**
